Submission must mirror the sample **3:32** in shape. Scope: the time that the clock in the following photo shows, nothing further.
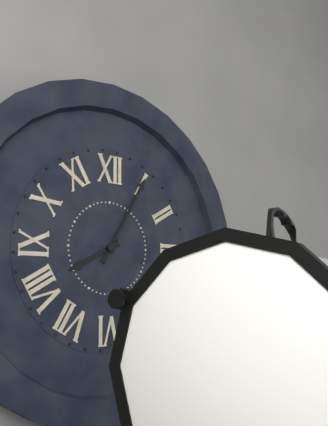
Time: **8:05**
